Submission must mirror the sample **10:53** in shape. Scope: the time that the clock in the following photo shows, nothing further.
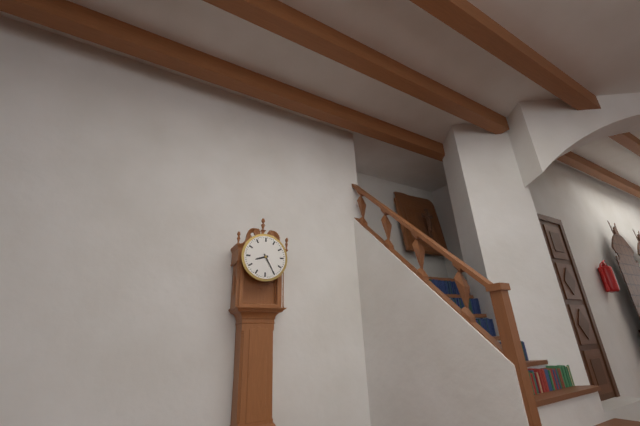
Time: **8:25**
